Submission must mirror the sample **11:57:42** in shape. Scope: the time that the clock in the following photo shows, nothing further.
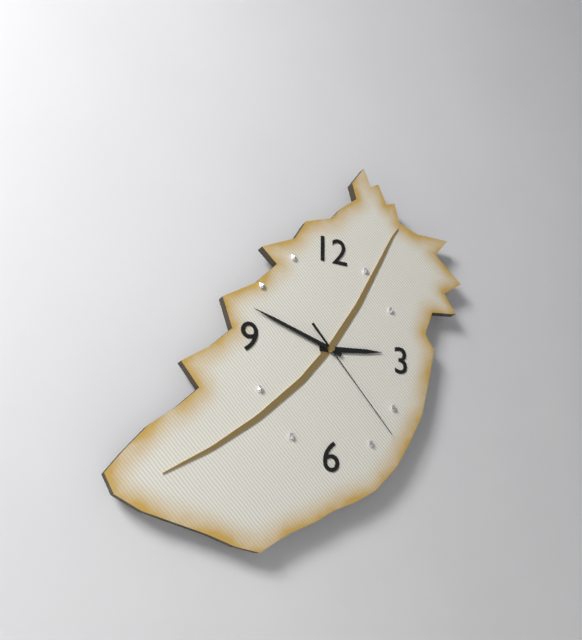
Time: **2:48:23**
